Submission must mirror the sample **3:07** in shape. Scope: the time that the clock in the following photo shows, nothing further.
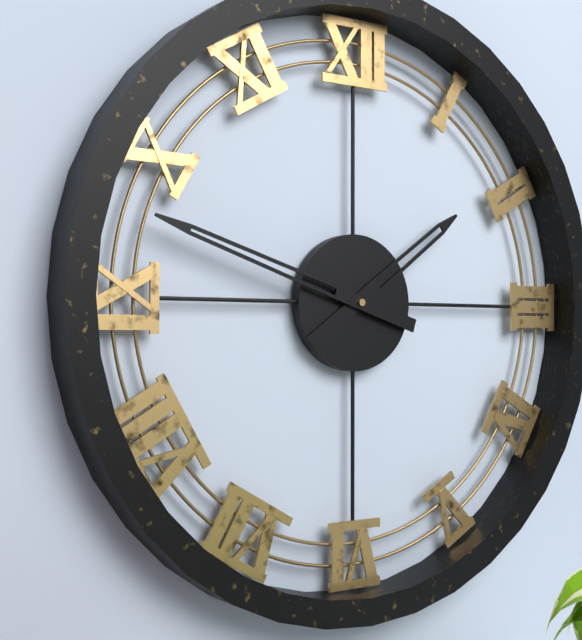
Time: **1:48**
